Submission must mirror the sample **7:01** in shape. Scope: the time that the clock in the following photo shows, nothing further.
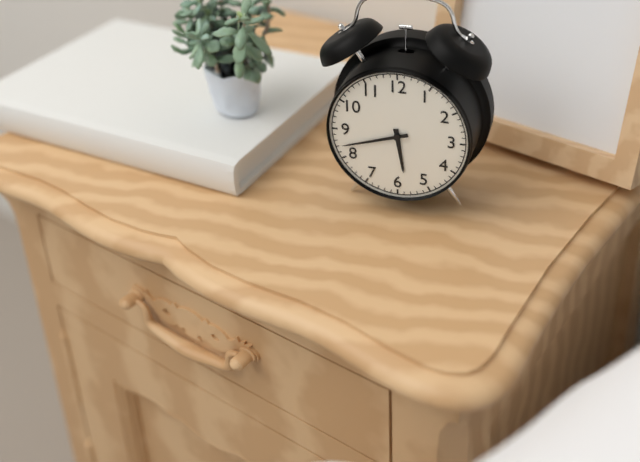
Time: **5:42**
